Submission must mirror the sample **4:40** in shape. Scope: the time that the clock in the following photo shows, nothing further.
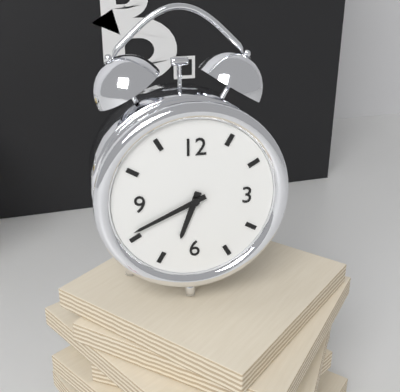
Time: **6:41**
